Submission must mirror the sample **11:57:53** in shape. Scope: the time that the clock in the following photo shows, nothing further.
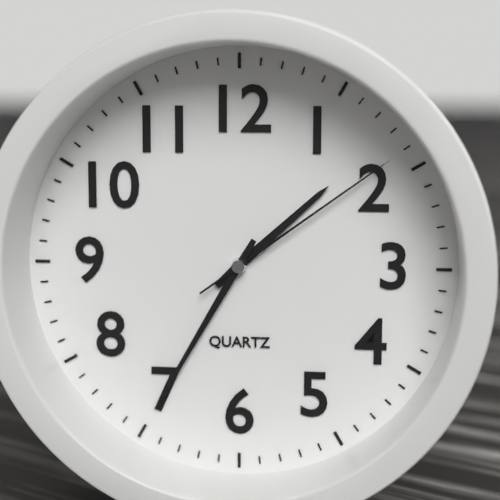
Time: **1:35:09**
